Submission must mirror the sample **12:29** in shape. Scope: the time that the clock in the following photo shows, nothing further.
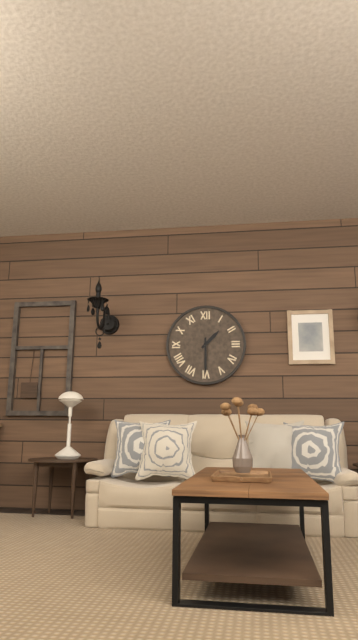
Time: **1:30**
